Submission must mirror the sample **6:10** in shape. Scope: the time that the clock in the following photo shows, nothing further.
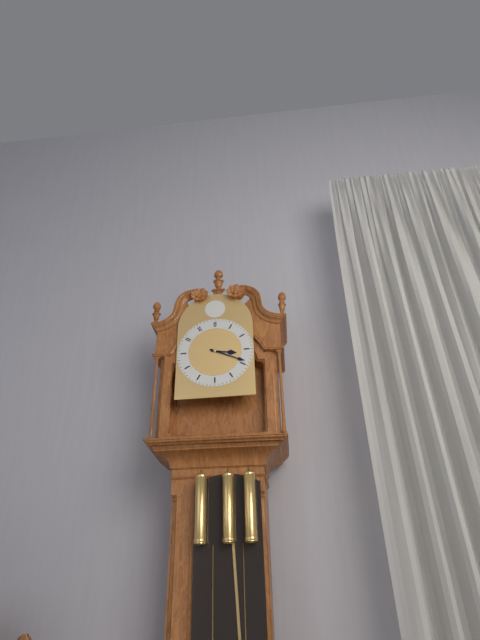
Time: **3:19**
